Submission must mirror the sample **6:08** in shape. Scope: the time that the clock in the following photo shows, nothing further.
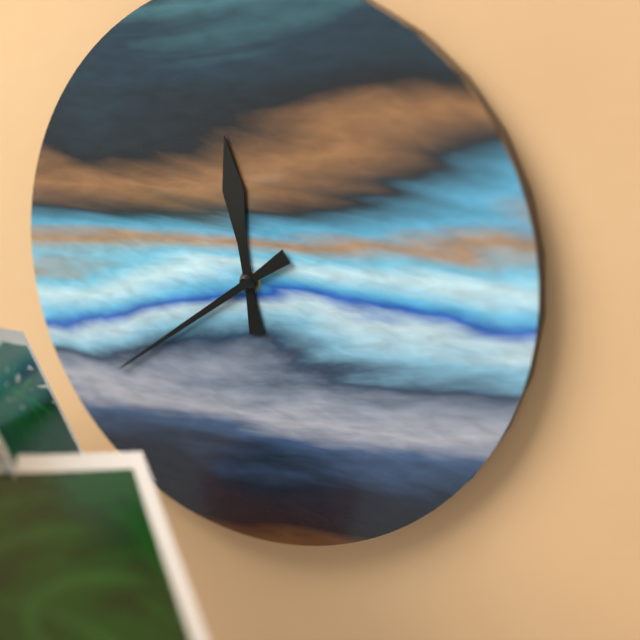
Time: **11:39**
